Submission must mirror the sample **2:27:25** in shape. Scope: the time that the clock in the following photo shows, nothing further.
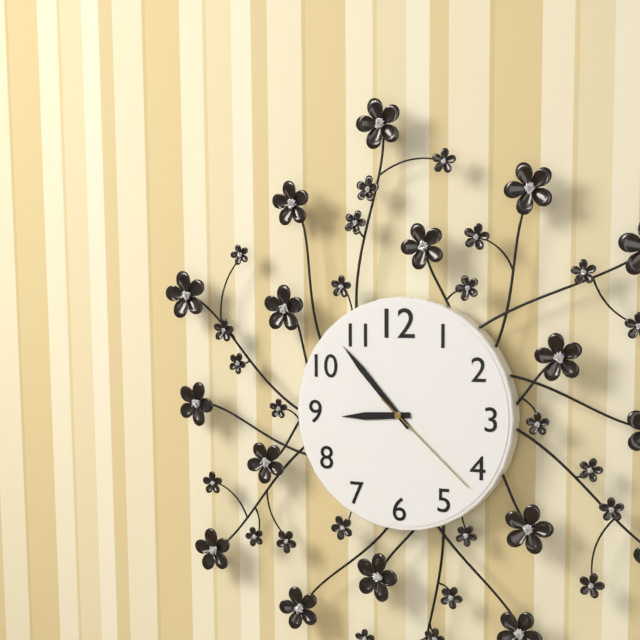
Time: **8:53:22**
